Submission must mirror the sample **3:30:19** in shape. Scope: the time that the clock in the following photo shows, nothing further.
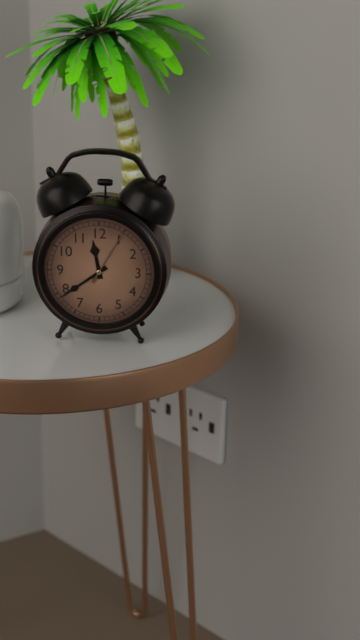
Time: **11:39:05**
